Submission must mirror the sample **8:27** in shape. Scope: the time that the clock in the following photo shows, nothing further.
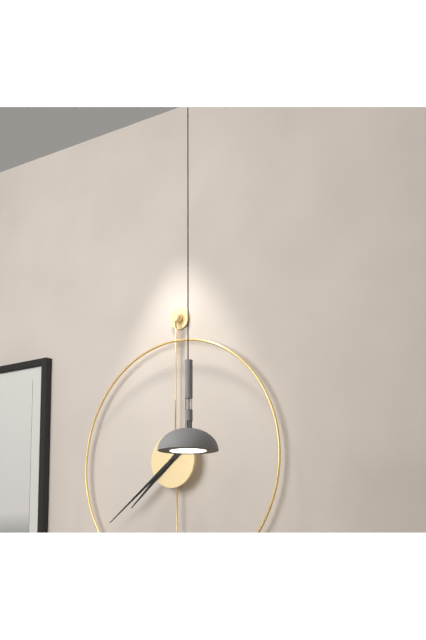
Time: **7:39**
